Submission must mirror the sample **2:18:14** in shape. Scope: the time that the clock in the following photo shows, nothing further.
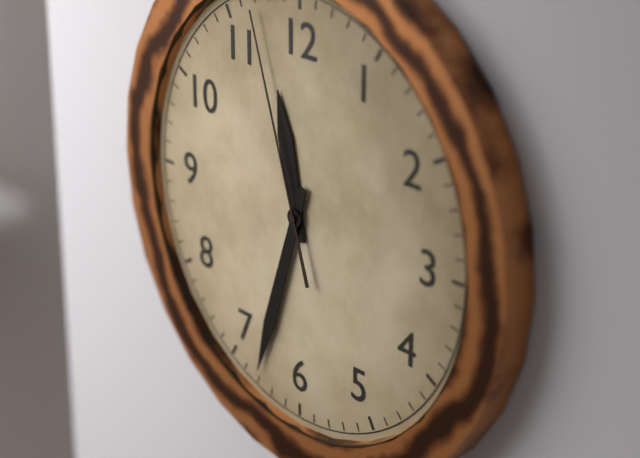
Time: **11:33:57**
